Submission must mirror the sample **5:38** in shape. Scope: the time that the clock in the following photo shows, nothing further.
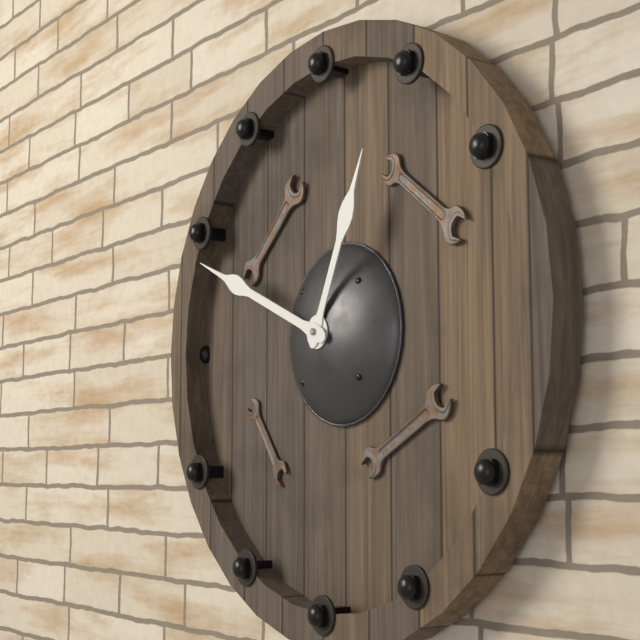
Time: **12:49**
